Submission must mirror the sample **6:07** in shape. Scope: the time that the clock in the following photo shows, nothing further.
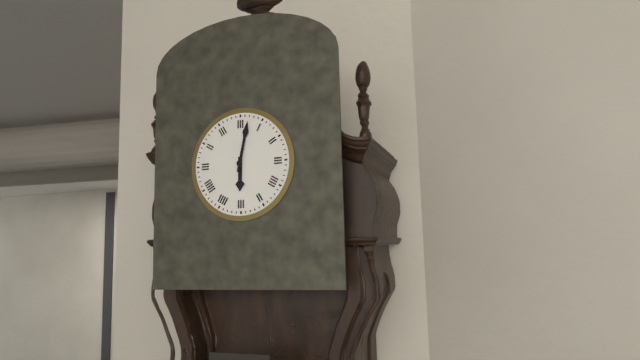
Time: **6:02**
